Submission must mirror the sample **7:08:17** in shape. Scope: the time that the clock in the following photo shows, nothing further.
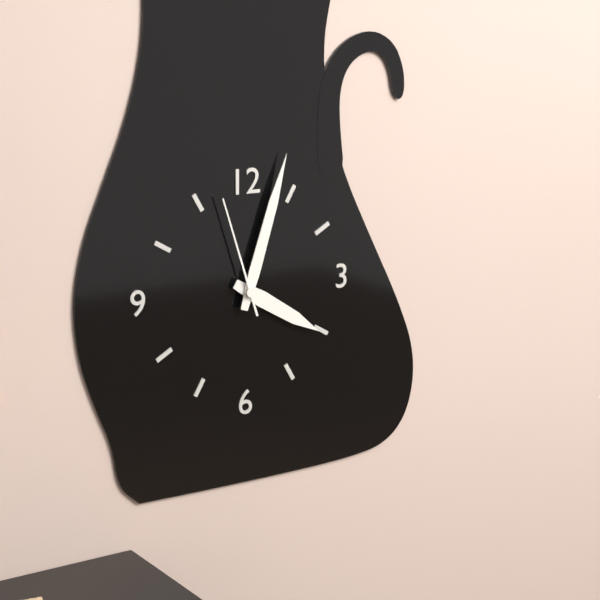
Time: **4:03:57**
